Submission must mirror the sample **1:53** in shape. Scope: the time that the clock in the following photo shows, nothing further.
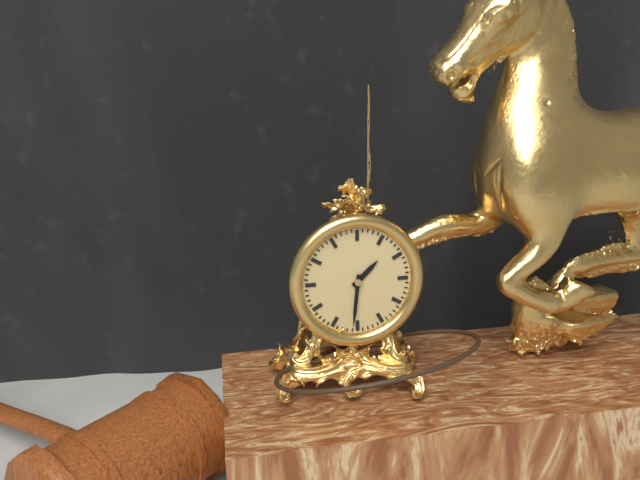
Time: **1:31**
